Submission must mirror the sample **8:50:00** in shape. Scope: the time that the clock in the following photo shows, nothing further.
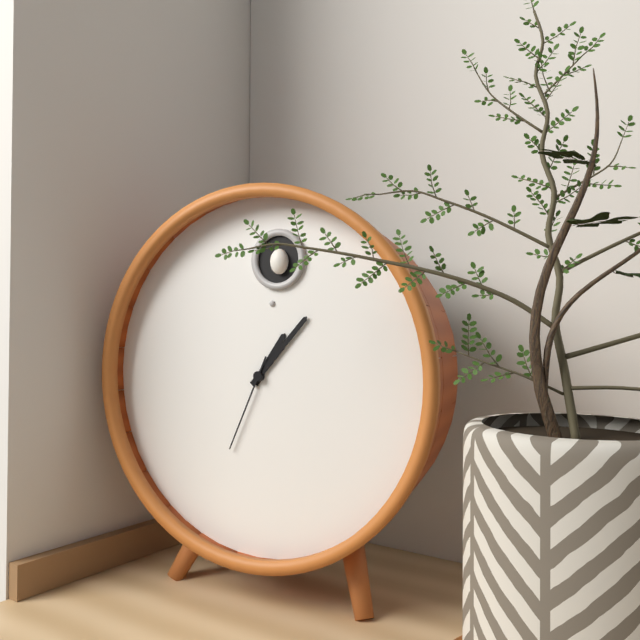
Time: **1:07:34**
